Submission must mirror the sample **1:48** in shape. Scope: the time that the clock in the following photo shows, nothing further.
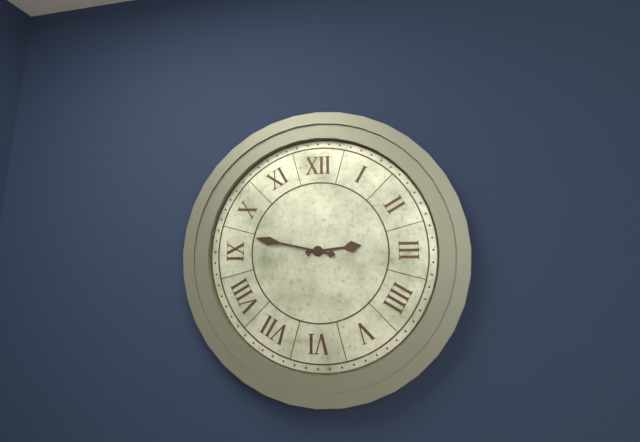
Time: **2:47**
